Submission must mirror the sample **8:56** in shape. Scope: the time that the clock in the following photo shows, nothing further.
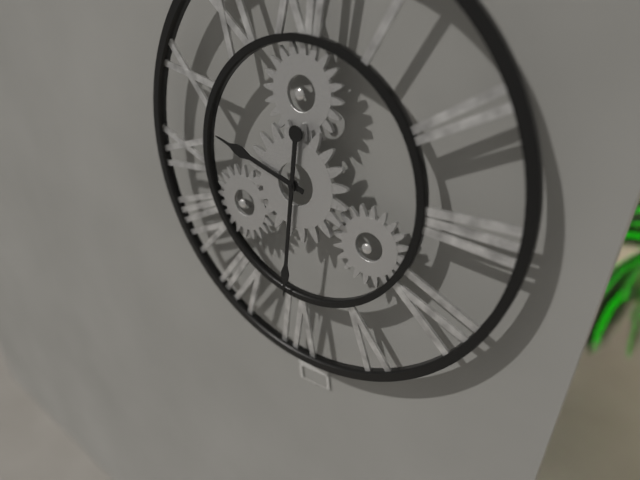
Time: **9:31**
